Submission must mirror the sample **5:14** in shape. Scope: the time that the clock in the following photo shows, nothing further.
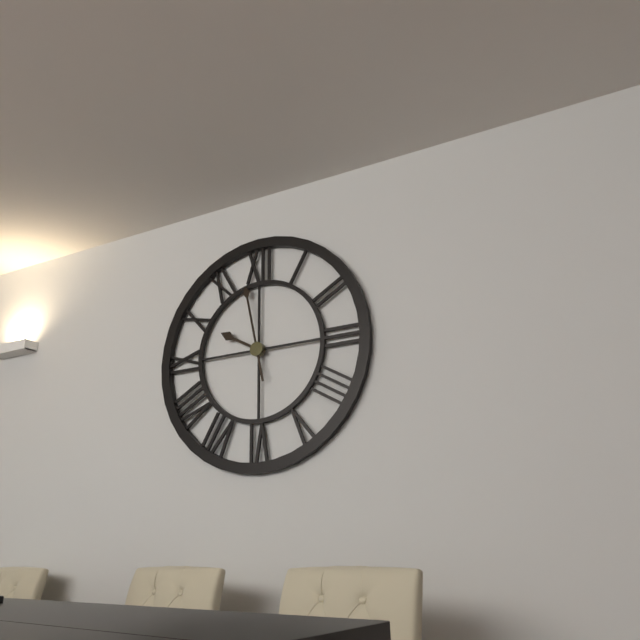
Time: **9:58**
